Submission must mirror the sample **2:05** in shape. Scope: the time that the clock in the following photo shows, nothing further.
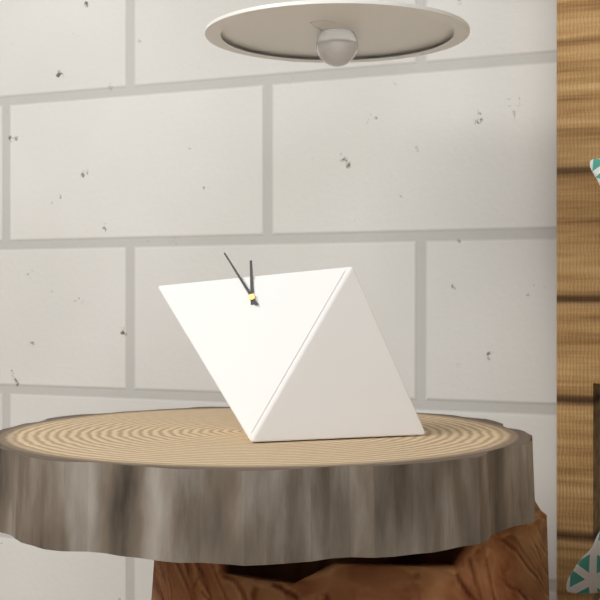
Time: **11:55**
